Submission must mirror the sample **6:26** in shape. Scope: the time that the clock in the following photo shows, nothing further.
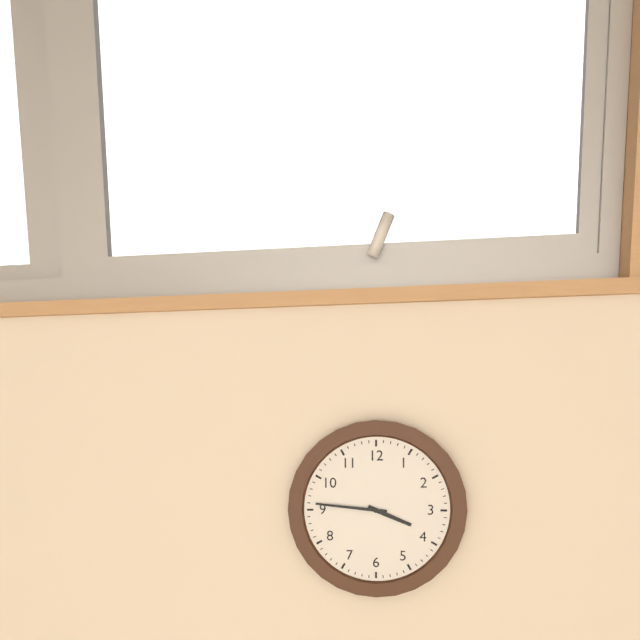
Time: **3:46**
